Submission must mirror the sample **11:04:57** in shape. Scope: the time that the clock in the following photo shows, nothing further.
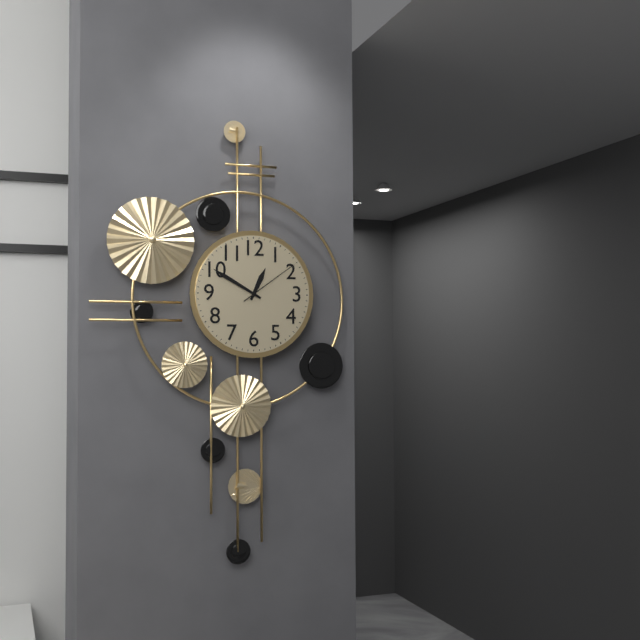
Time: **12:50:09**
